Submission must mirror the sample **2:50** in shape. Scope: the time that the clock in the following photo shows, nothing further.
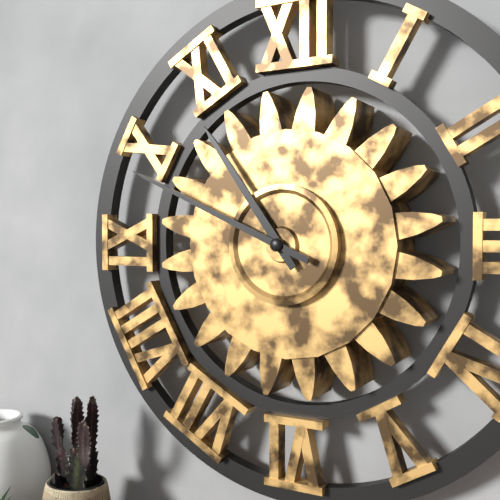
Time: **10:49**
